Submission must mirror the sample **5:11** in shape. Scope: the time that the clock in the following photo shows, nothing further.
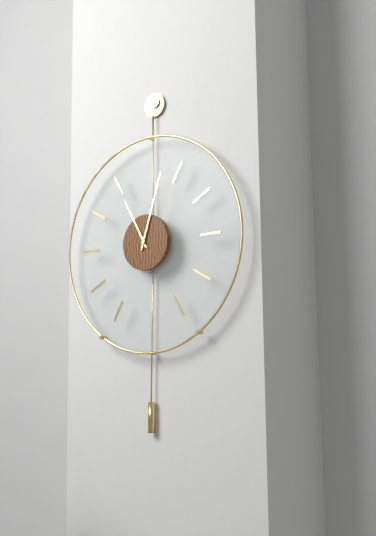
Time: **11:03**
